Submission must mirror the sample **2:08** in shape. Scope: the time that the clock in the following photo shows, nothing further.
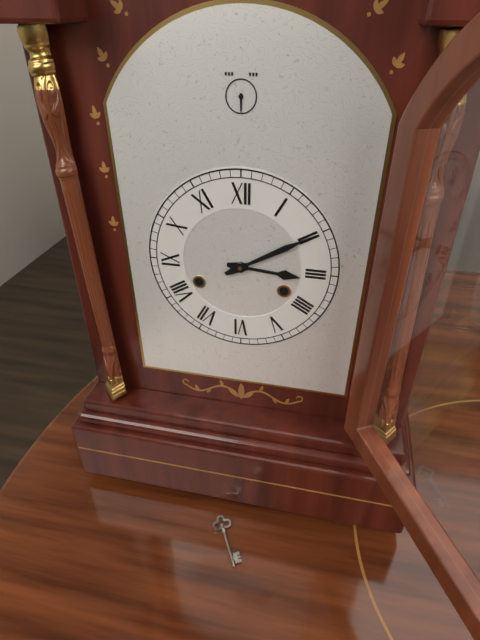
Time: **3:10**
